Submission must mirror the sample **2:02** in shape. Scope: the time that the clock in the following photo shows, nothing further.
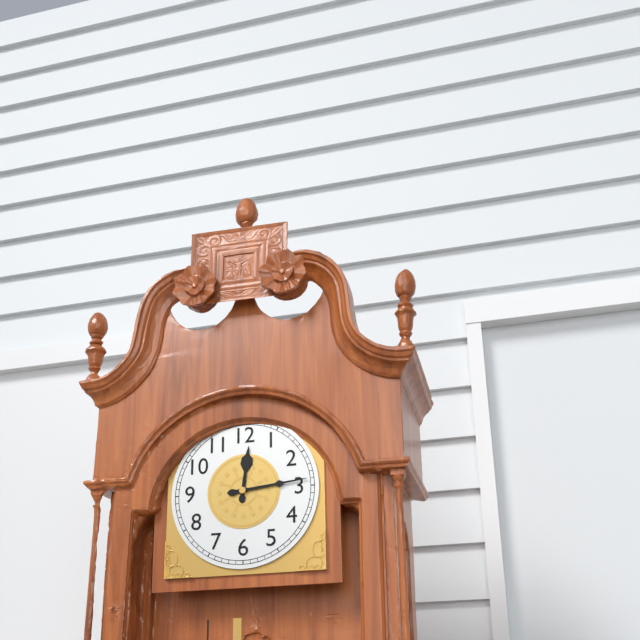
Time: **12:14**
